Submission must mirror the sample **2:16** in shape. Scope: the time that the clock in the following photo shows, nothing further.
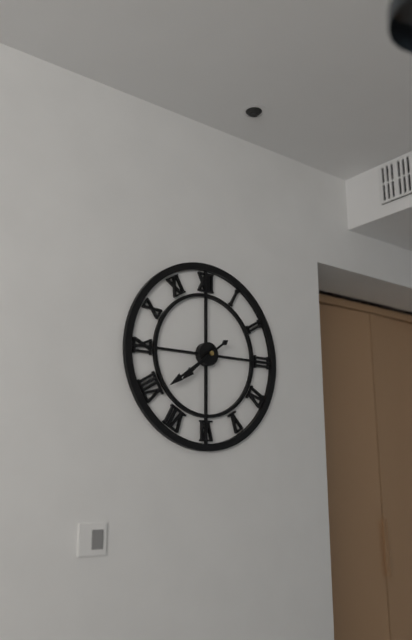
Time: **7:39**
